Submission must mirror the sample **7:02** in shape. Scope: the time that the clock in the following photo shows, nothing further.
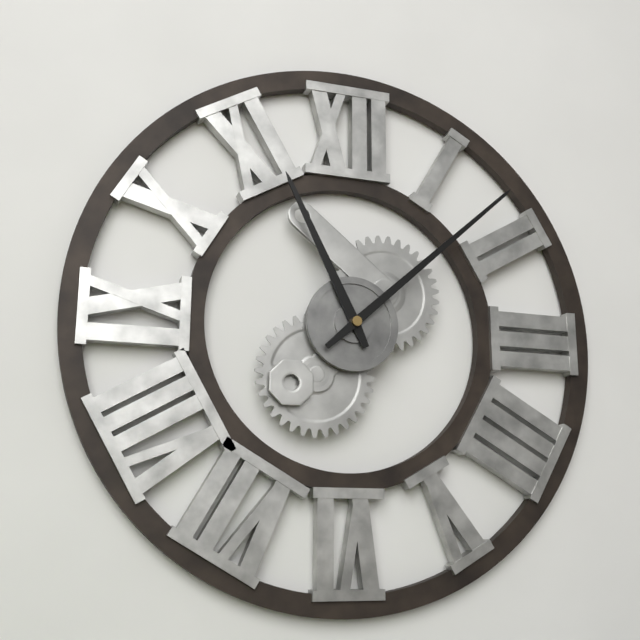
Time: **11:08**
